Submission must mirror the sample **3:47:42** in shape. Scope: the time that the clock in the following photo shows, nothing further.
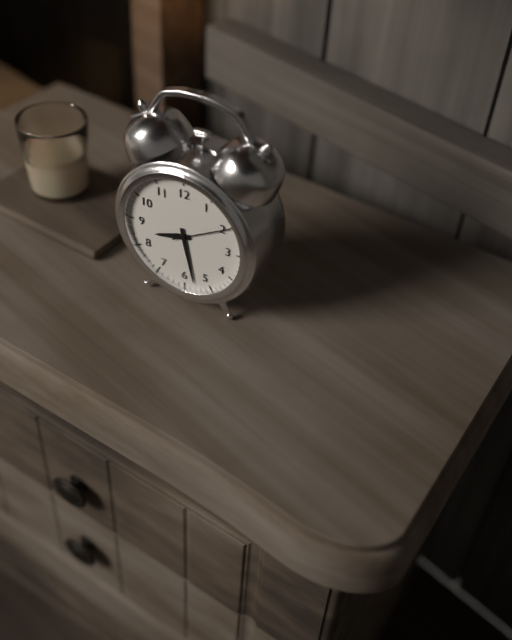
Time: **8:28:10**
